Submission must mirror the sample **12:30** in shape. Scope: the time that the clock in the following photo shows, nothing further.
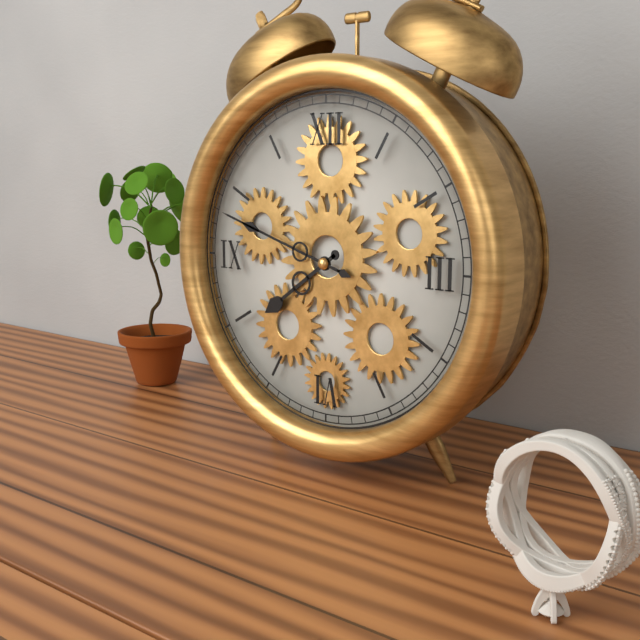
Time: **7:48**
